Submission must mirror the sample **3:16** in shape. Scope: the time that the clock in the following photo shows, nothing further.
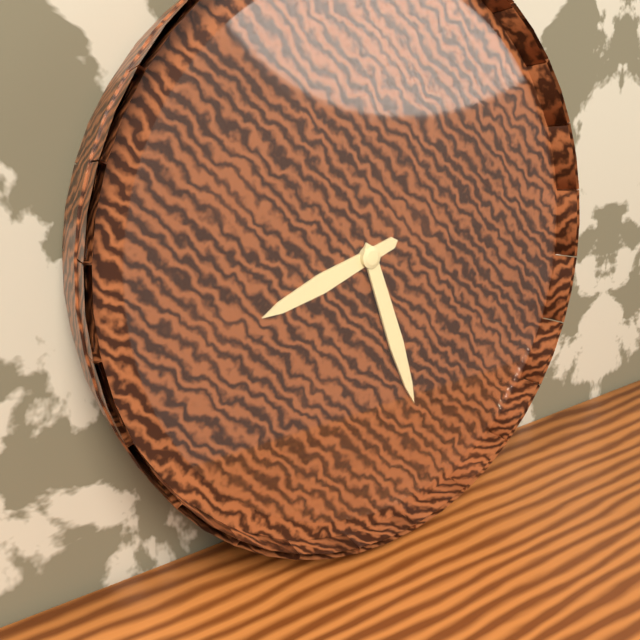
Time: **8:27**
